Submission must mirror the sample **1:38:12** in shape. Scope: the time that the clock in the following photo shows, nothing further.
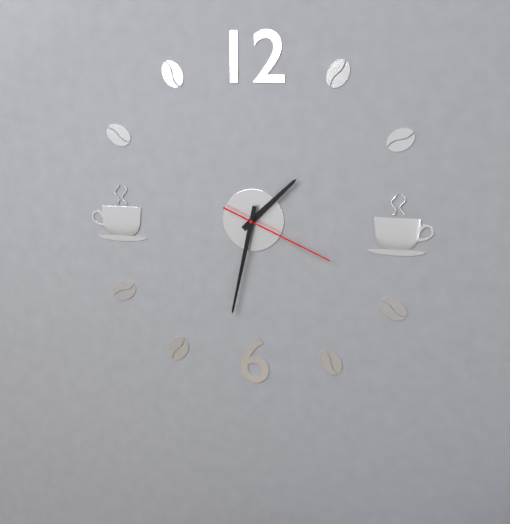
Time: **1:32:19**
